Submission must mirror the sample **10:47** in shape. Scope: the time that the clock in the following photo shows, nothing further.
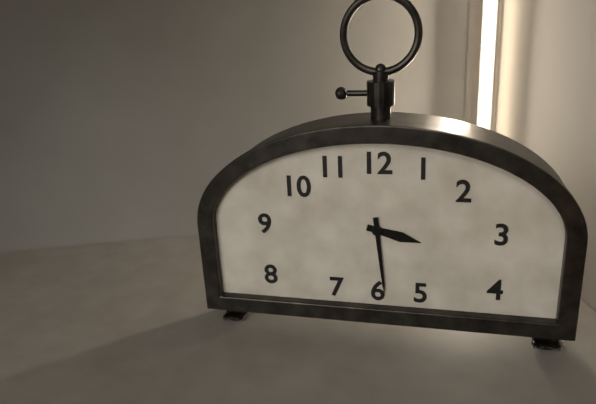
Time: **3:29**
